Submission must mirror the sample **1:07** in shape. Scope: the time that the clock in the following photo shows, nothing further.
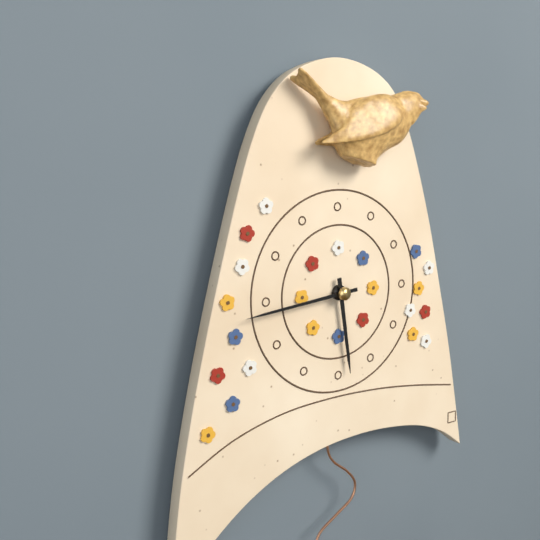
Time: **5:44**
